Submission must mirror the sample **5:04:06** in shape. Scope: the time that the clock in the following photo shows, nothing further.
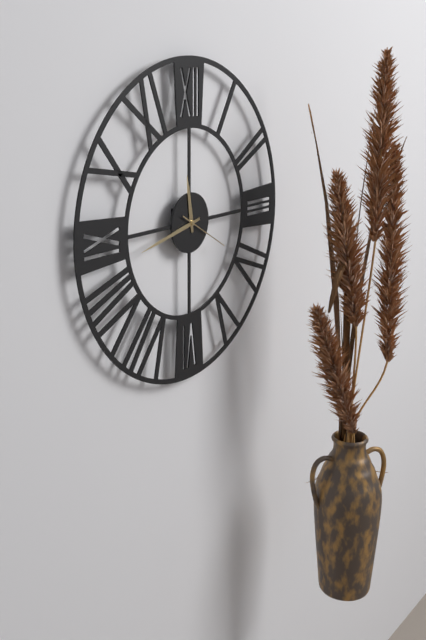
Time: **11:43:20**
